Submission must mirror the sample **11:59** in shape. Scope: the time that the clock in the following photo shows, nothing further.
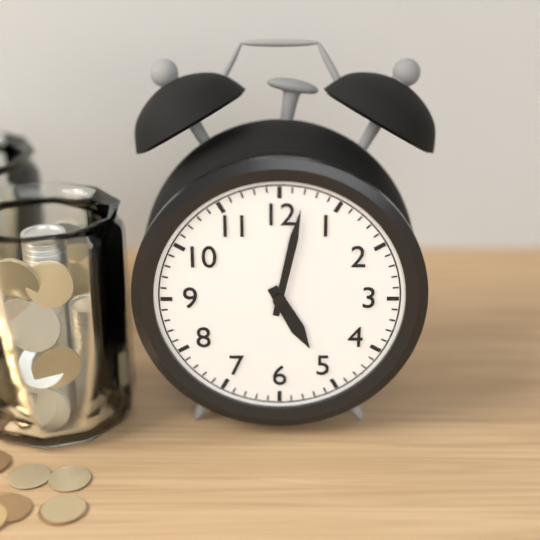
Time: **5:02**
